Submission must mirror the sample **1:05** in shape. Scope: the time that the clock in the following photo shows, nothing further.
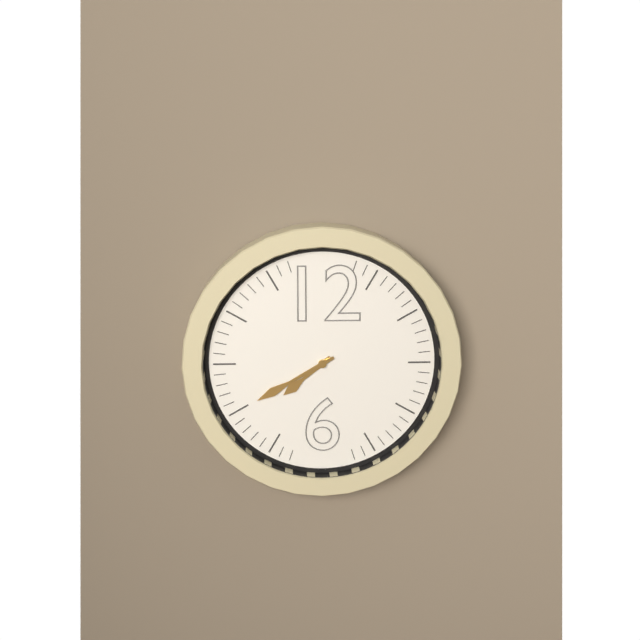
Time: **7:40**
